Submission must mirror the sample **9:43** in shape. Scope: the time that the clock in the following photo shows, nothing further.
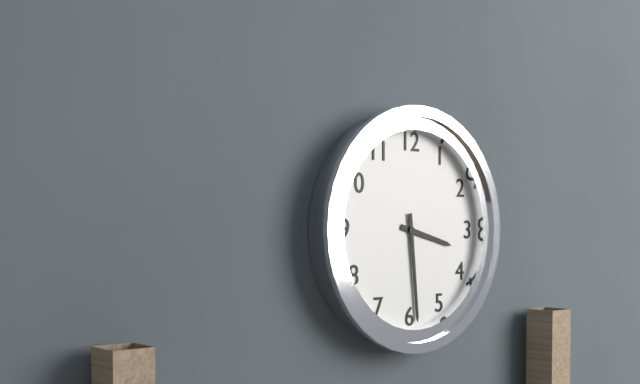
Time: **3:29**
